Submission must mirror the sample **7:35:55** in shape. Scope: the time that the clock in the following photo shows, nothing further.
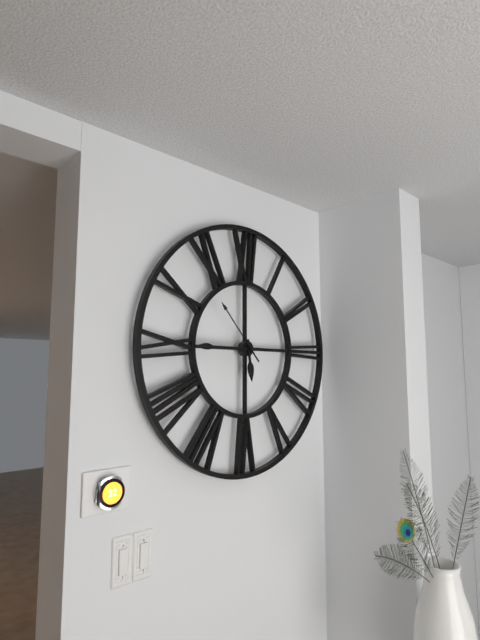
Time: **5:45:53**
